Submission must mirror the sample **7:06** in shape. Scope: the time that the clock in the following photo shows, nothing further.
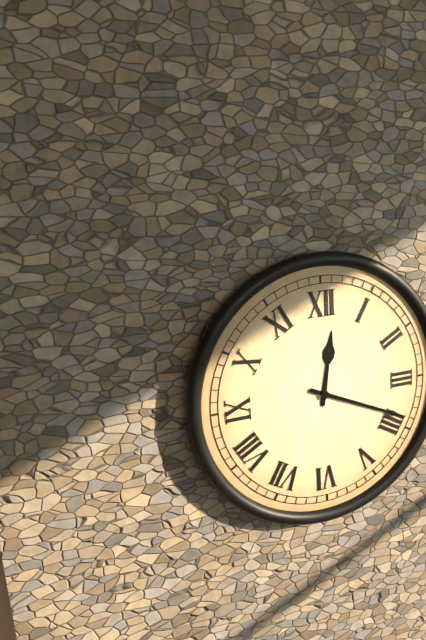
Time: **12:19**
